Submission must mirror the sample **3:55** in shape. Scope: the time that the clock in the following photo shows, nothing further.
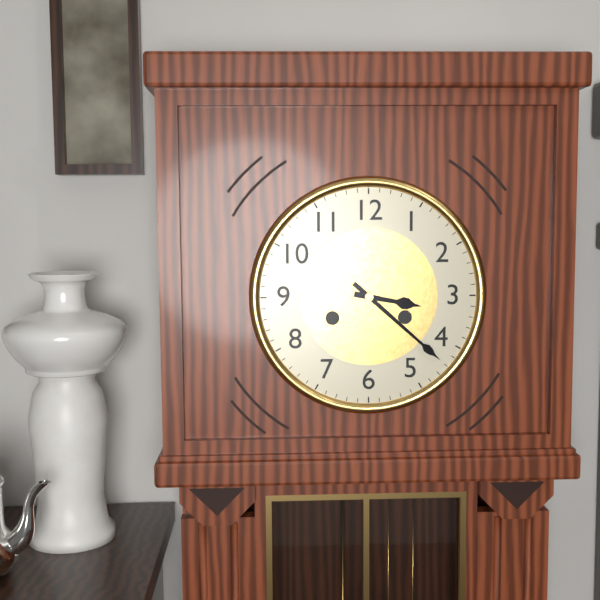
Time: **3:22**
